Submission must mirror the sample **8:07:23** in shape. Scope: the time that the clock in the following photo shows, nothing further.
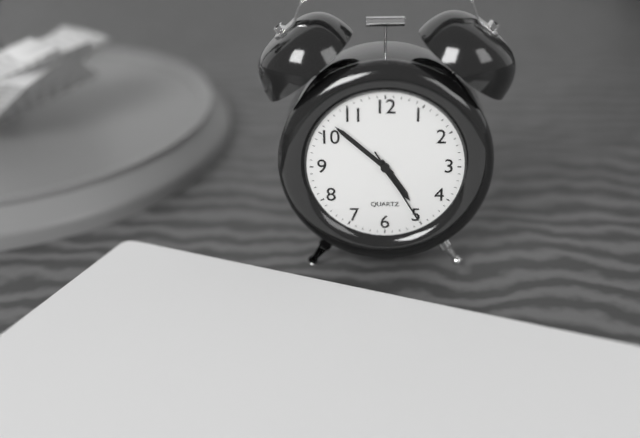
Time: **4:52:25**
